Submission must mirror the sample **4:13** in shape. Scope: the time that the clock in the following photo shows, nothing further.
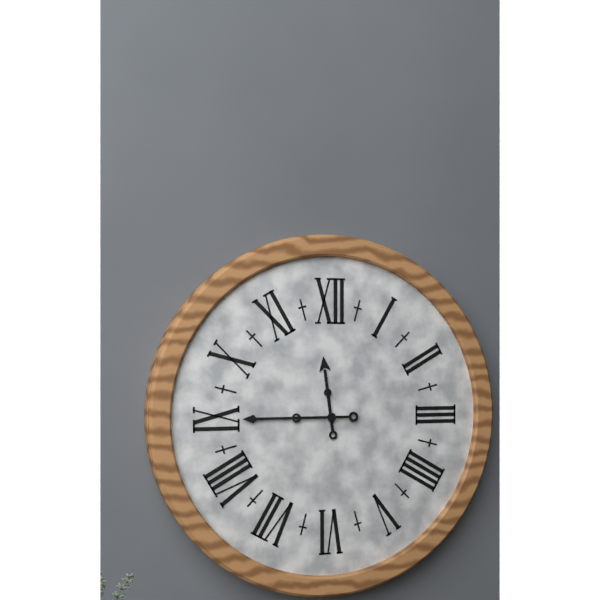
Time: **11:45**
